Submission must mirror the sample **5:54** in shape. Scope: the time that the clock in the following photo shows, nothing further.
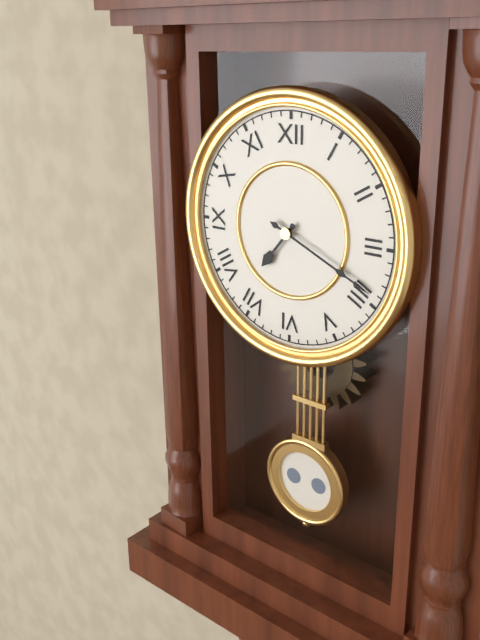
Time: **7:19**
